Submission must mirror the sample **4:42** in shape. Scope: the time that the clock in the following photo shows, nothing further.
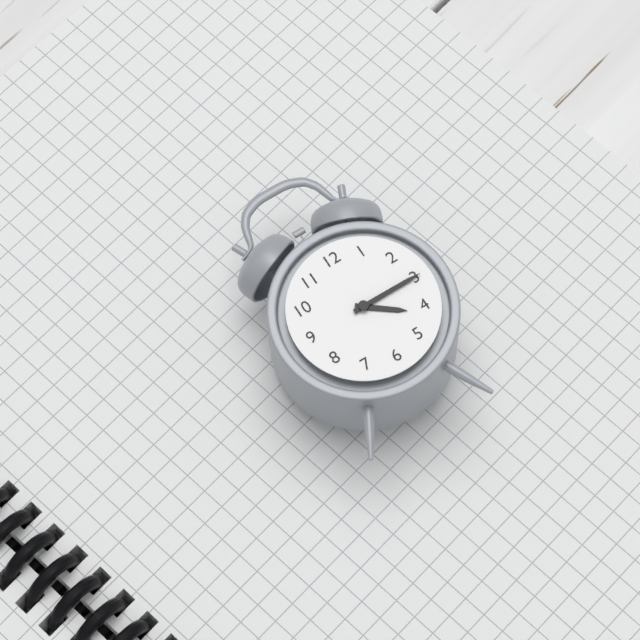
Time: **4:15**
